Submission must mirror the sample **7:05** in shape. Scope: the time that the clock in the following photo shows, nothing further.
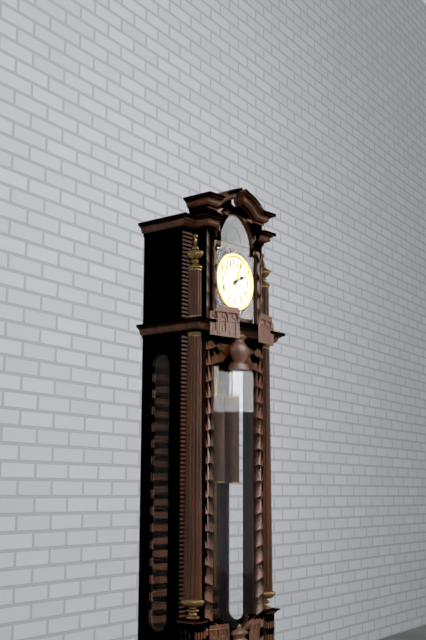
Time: **2:04**
